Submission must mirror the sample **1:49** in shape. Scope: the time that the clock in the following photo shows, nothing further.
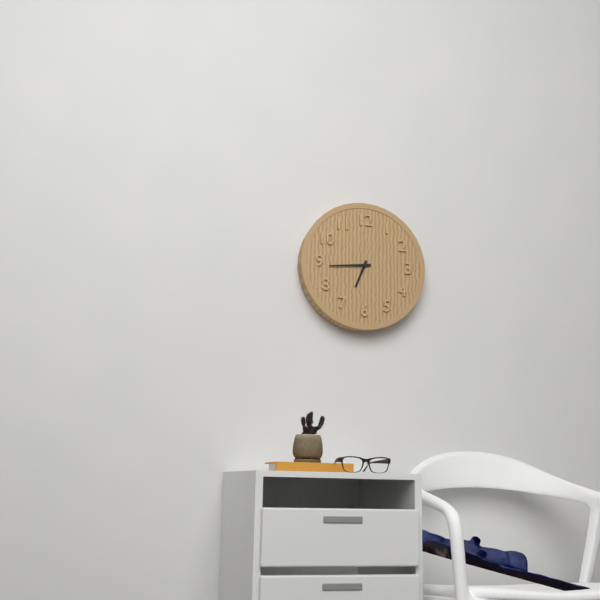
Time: **6:44**
